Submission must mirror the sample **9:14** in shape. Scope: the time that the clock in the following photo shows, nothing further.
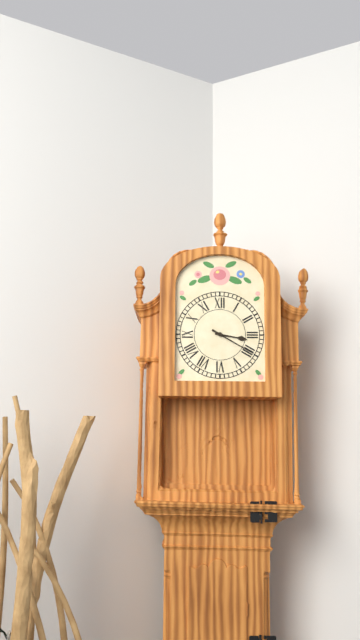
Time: **3:20**
